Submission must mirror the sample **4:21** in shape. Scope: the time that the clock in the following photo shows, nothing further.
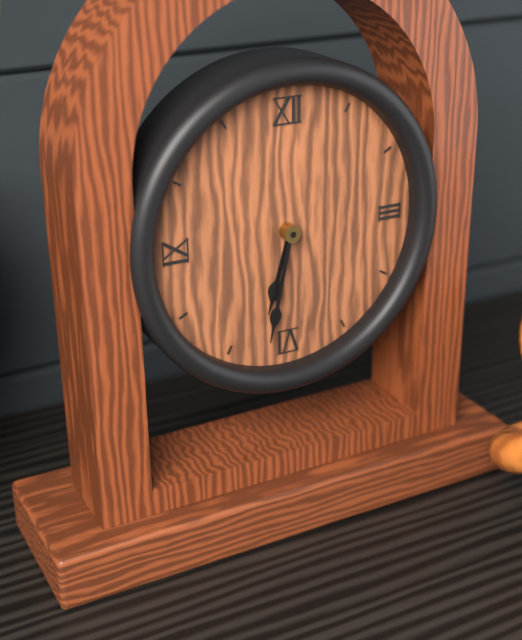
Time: **6:32**
